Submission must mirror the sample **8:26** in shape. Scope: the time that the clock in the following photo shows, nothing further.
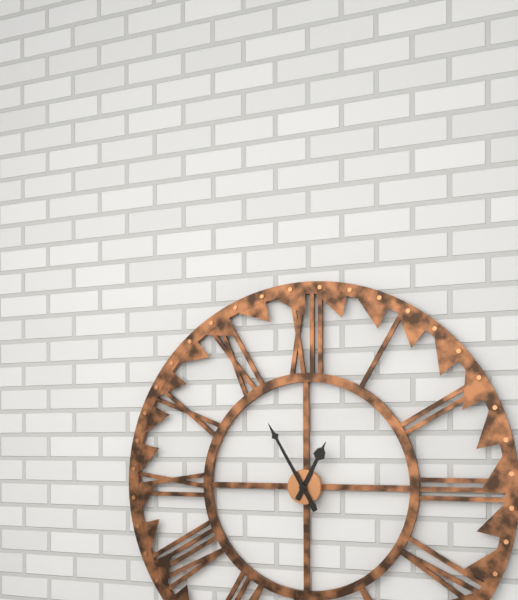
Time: **12:55**
